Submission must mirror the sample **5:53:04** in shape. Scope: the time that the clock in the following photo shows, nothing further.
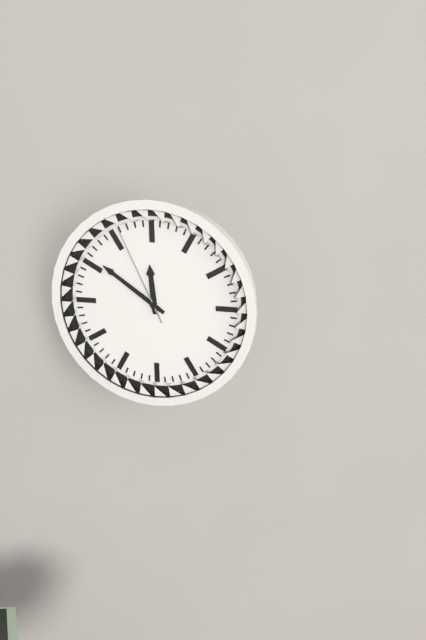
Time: **11:51:56**
